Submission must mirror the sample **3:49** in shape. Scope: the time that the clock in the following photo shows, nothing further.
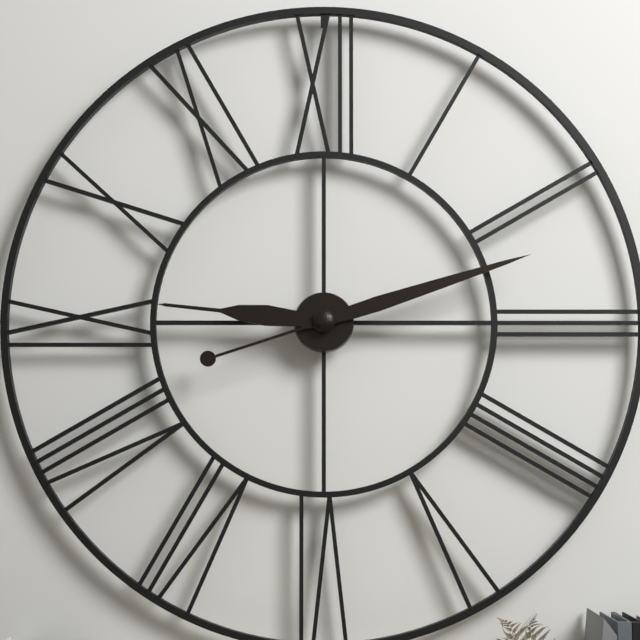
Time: **9:12**
